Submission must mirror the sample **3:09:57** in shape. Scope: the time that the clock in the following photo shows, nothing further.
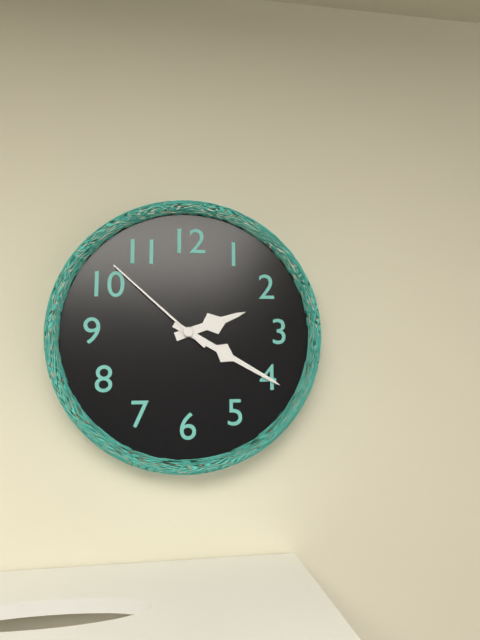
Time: **2:20:52**
